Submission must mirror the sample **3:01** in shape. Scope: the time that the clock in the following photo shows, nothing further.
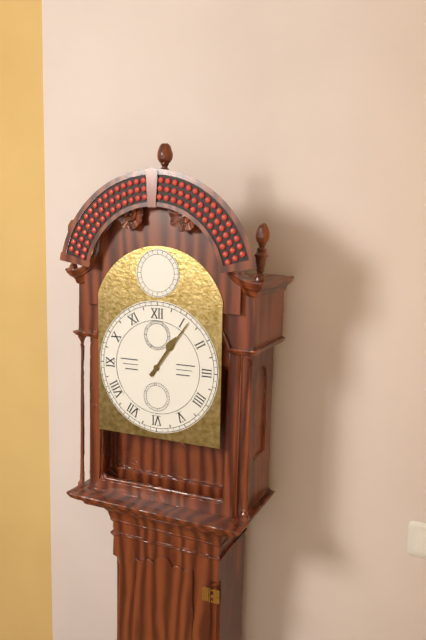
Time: **1:06**
